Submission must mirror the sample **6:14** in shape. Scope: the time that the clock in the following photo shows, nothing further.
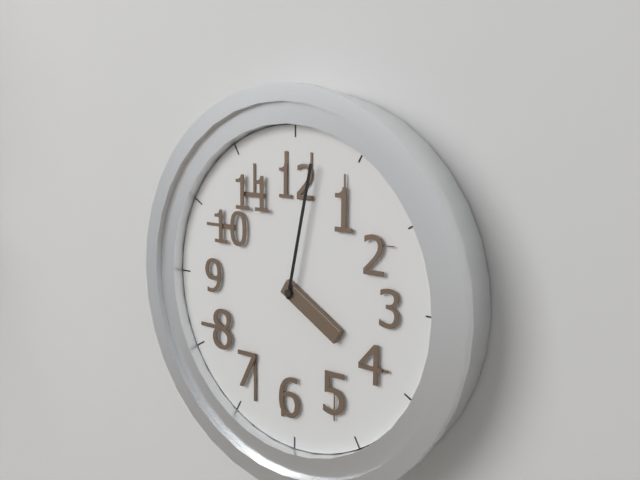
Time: **4:02**
